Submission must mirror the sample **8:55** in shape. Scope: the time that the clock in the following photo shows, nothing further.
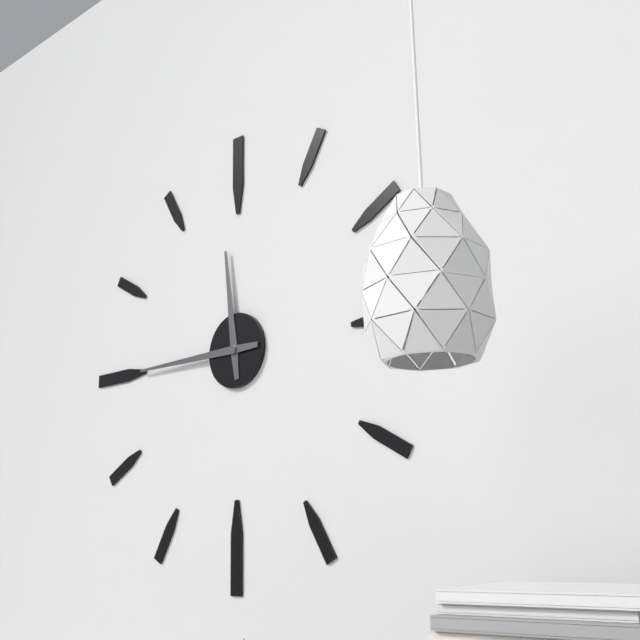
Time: **11:45**
